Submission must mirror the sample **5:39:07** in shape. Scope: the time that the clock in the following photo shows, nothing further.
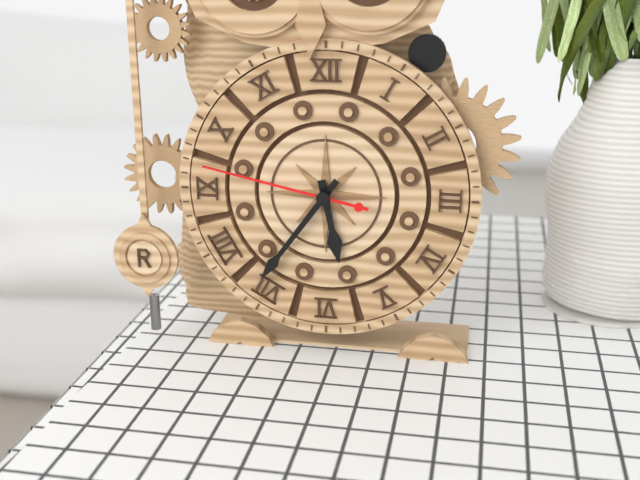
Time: **5:36:47**
